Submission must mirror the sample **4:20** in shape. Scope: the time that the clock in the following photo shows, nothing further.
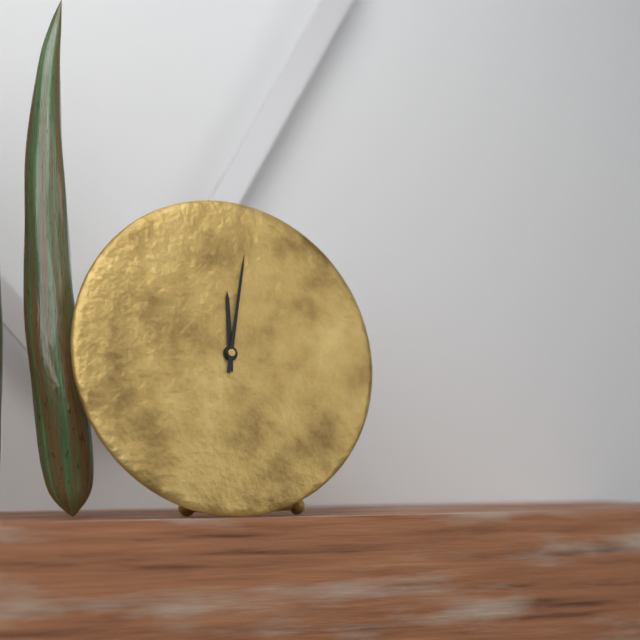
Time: **12:02**
